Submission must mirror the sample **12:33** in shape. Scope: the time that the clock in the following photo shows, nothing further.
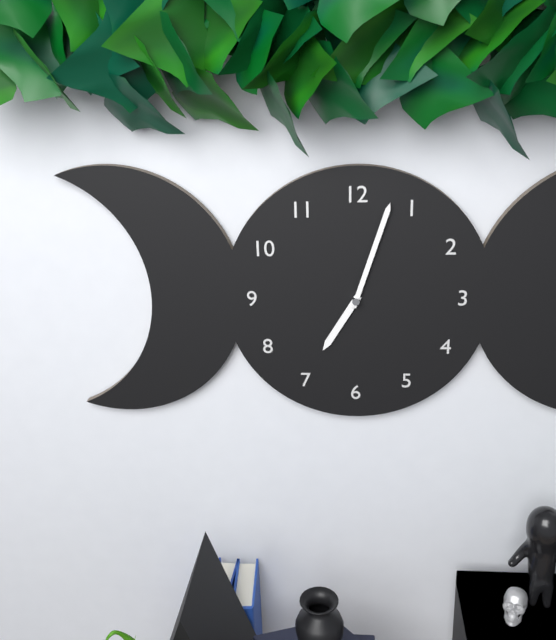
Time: **7:03**
